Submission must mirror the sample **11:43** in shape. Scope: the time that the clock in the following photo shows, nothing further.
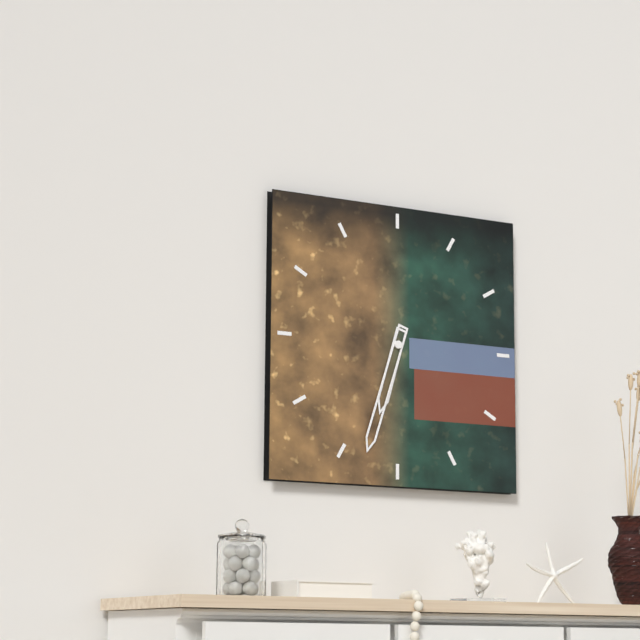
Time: **6:33**
